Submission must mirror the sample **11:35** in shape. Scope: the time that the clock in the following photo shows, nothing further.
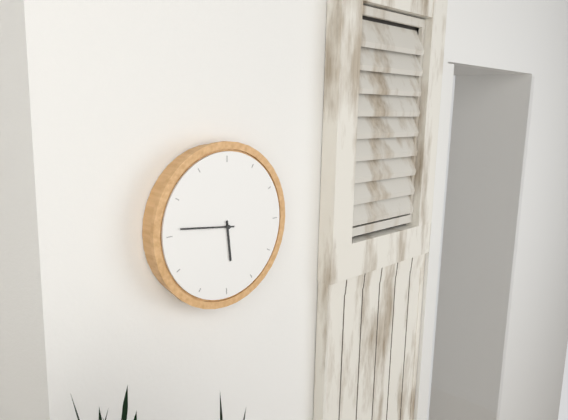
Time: **5:46**
